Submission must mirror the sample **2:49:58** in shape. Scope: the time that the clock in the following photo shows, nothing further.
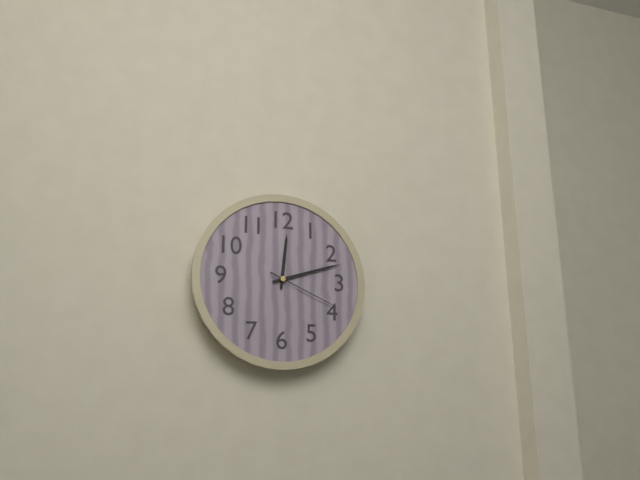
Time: **12:12:19**
